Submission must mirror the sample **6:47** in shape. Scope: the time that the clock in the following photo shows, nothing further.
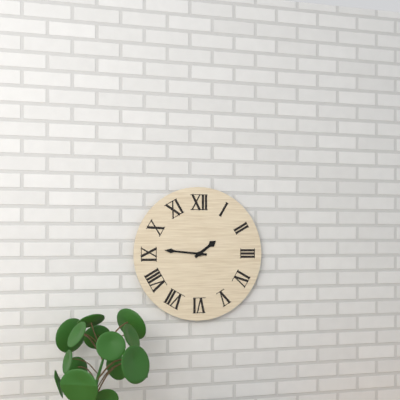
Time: **1:46**
